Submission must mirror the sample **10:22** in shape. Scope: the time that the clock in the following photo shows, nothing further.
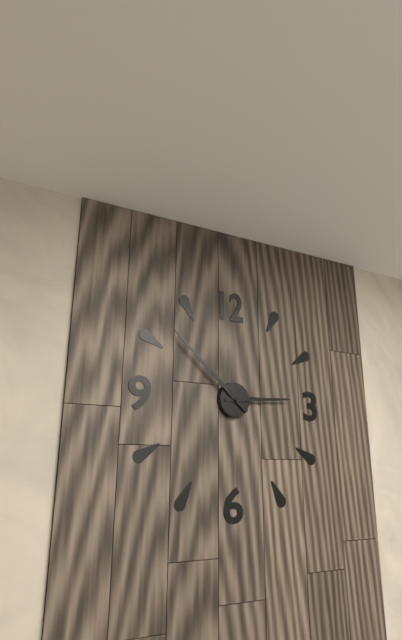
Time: **2:52**
